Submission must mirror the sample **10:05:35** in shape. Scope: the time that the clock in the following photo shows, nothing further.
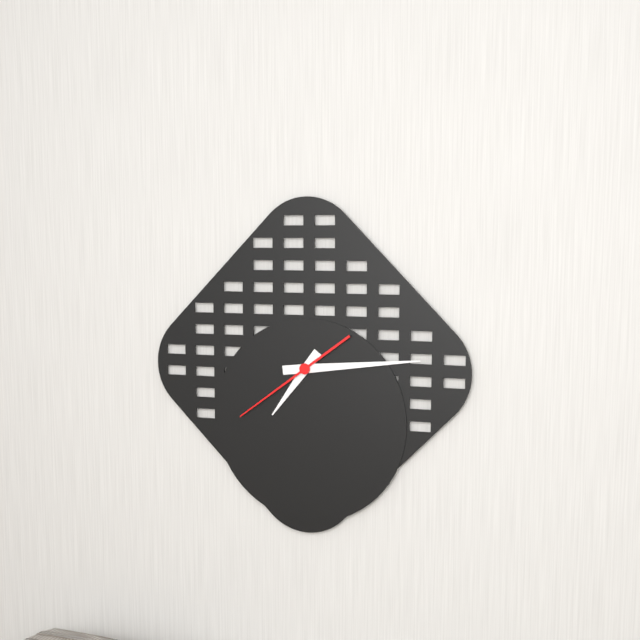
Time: **7:14:39**
